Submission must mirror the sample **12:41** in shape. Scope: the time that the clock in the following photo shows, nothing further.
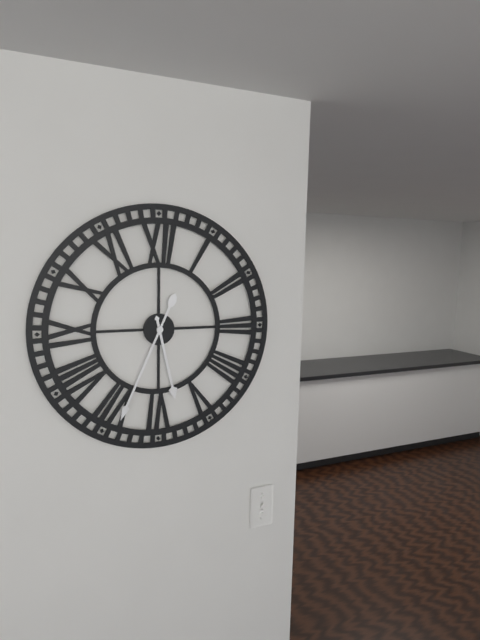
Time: **5:34**
